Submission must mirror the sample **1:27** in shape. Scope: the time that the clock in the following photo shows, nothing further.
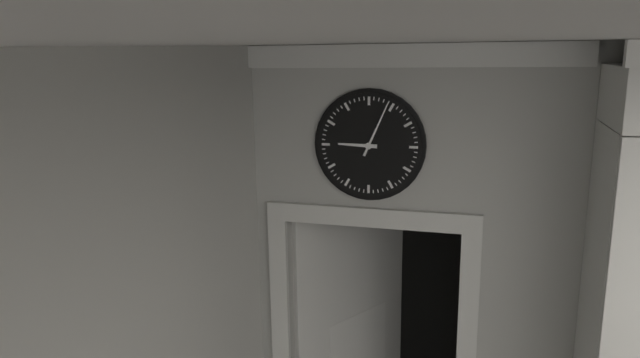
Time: **9:04**
